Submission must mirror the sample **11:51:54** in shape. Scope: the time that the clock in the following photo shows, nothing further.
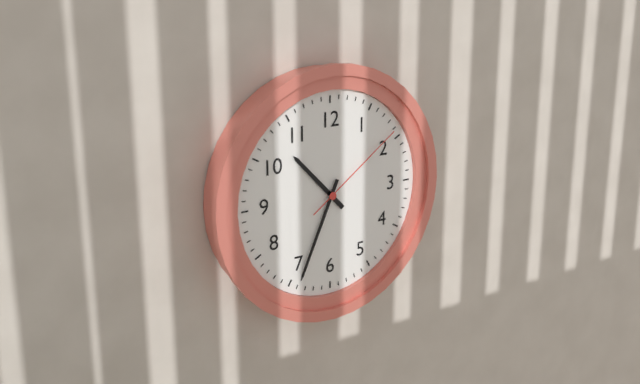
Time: **10:34:09**
